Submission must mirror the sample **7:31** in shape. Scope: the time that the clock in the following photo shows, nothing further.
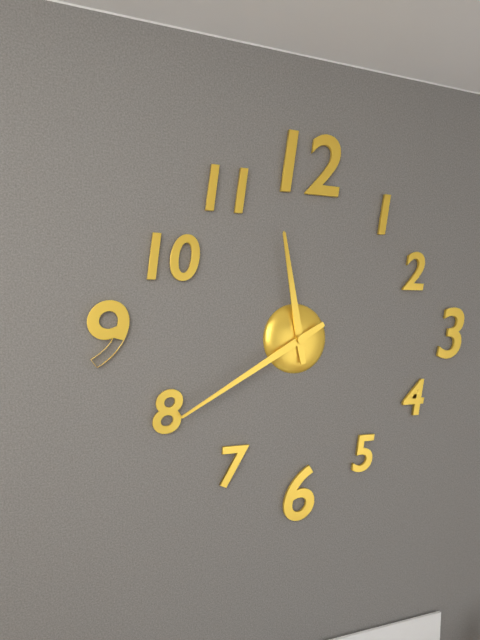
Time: **11:40**
